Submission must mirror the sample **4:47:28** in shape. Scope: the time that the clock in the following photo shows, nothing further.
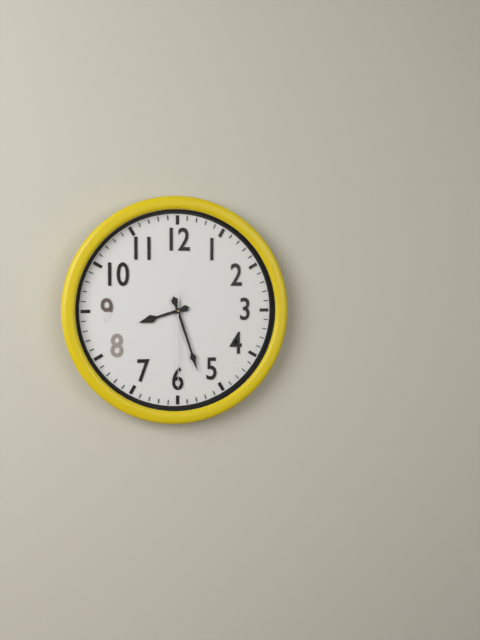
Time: **8:27:30**
